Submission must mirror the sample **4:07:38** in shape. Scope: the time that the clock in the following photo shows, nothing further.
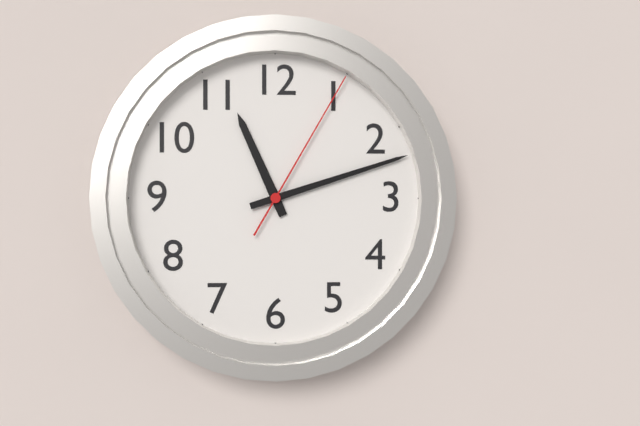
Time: **11:12:05**
